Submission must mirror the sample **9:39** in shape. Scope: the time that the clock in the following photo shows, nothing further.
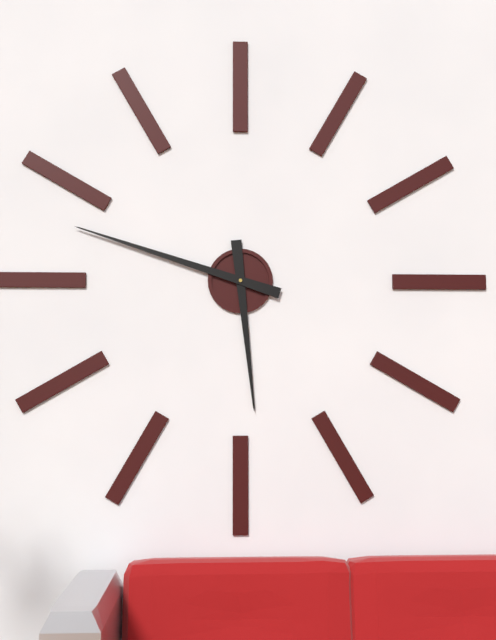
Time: **5:48**
